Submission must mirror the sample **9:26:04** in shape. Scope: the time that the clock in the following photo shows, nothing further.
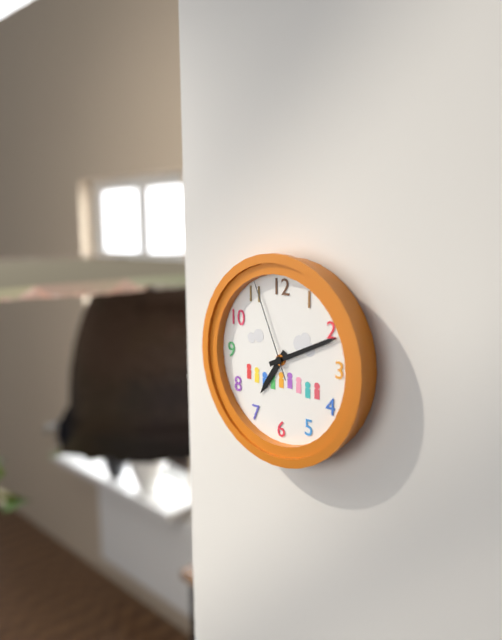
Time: **7:11:56**
